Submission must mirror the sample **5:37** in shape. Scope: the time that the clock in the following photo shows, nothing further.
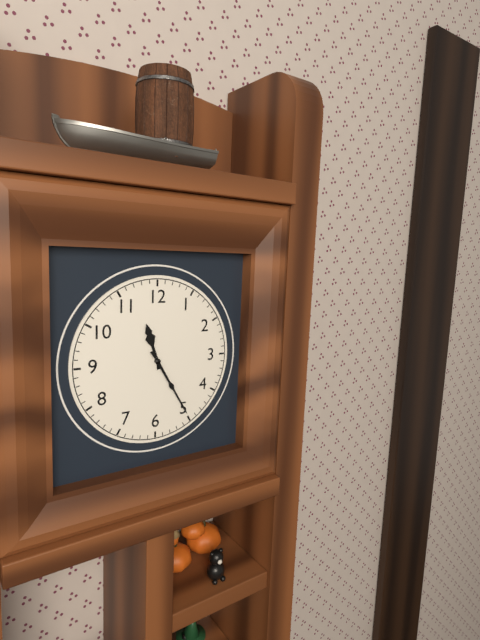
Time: **11:25**
